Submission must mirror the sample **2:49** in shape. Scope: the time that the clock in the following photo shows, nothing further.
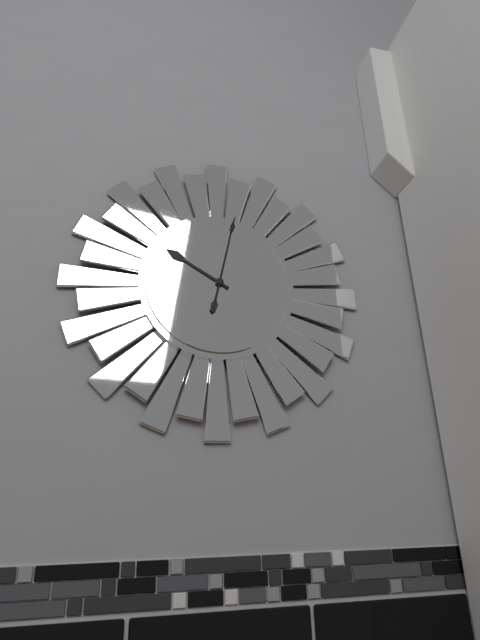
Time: **10:02**
